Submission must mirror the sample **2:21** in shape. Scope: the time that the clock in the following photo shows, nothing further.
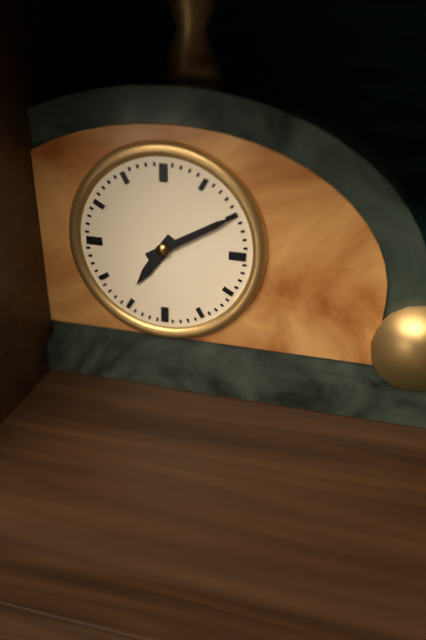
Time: **7:10**
